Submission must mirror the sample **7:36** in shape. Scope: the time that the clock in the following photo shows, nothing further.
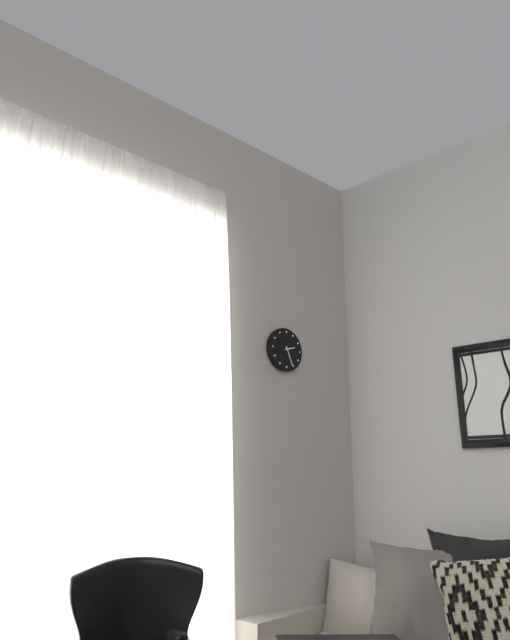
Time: **2:26**
